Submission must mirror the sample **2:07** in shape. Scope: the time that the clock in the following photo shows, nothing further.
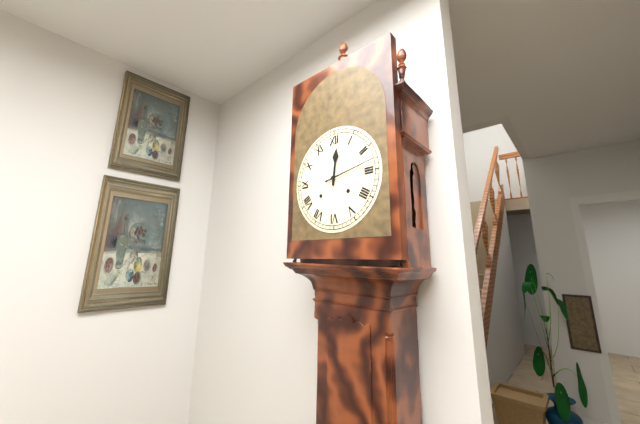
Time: **12:13**
